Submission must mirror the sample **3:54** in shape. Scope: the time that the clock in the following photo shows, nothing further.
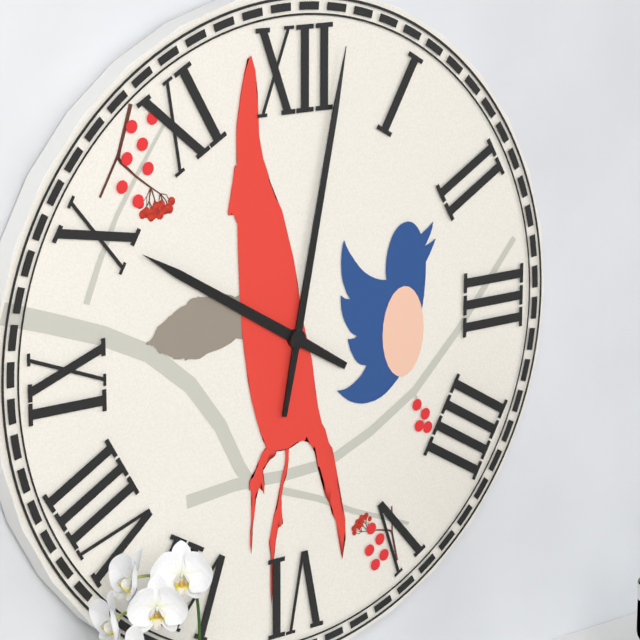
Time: **10:02**
